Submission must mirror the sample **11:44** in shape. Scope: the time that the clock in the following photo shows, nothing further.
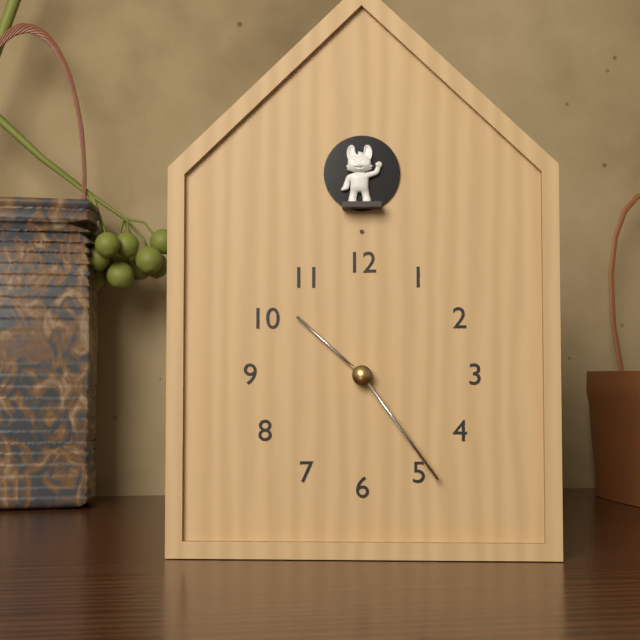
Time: **10:24**
